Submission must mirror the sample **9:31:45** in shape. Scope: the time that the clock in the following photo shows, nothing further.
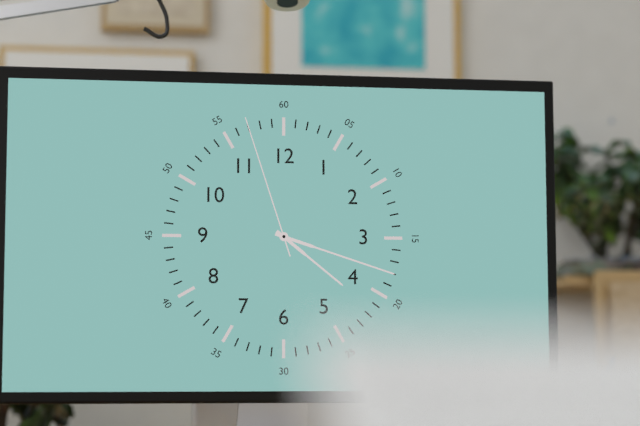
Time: **4:18:57**
